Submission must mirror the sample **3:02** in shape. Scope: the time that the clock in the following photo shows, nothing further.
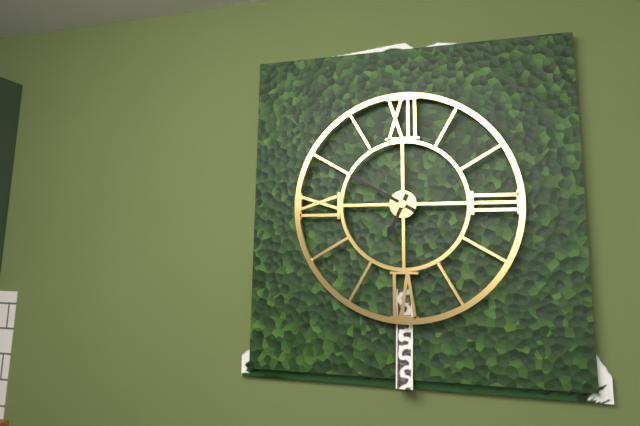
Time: **6:50**
